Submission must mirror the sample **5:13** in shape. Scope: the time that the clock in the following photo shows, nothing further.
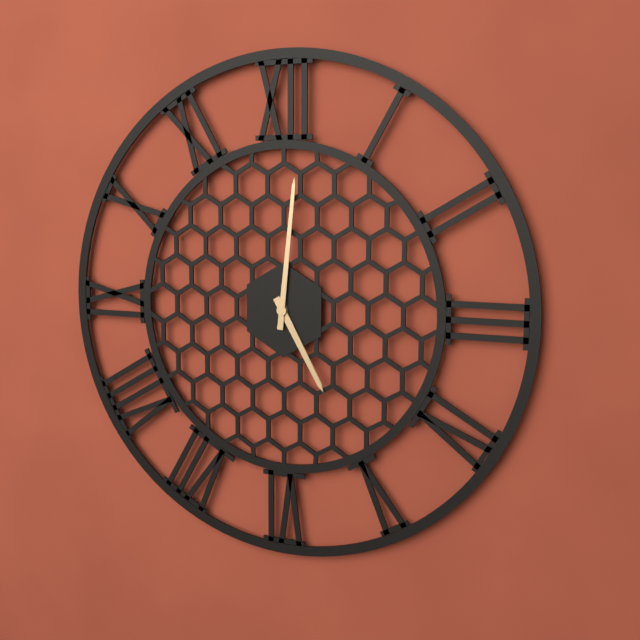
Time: **5:01**
